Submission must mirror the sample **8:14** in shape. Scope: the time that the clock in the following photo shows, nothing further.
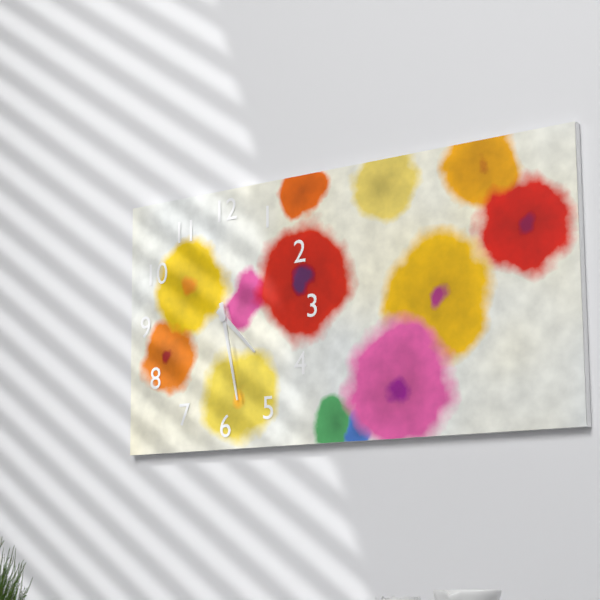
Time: **4:28**
